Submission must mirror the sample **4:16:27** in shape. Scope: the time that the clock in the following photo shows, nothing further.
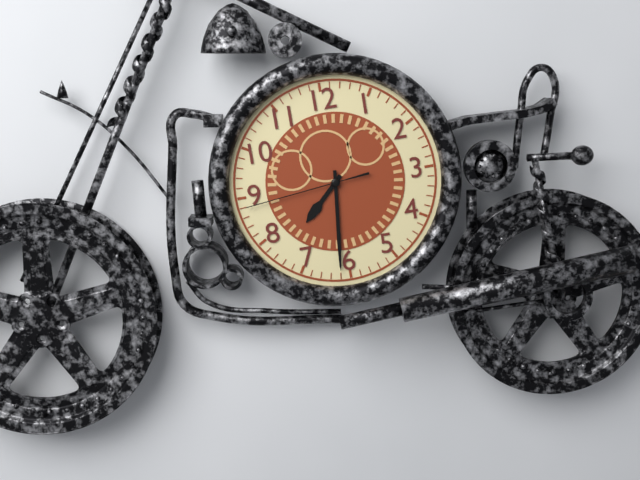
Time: **7:31:44**
